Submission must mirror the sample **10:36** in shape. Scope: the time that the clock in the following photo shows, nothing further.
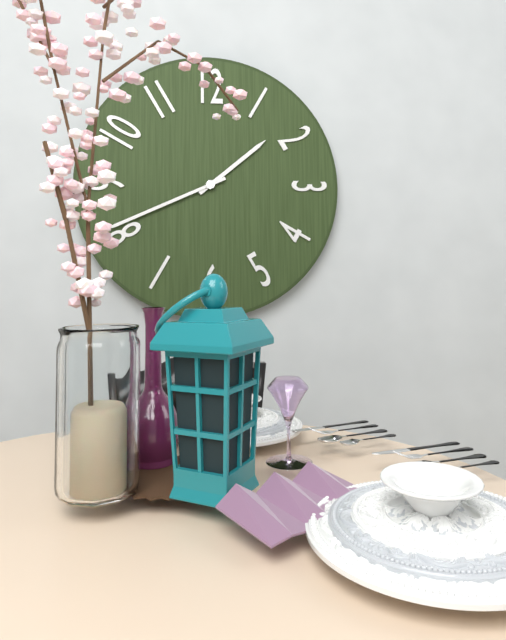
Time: **1:41**
